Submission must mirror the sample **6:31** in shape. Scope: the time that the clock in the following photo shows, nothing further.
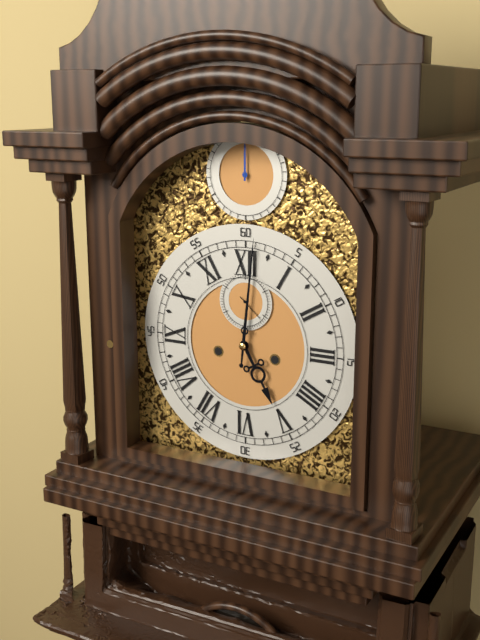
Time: **5:01**
